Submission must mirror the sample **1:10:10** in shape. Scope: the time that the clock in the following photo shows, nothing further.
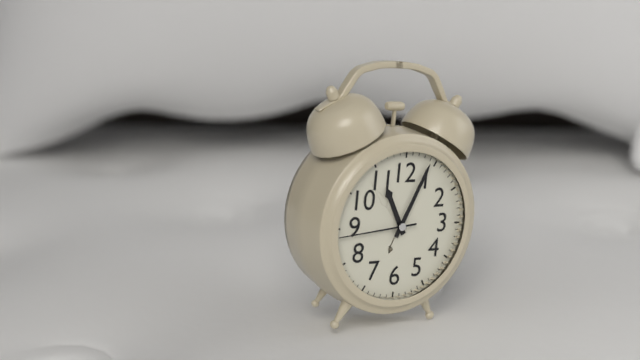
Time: **11:04:44**
